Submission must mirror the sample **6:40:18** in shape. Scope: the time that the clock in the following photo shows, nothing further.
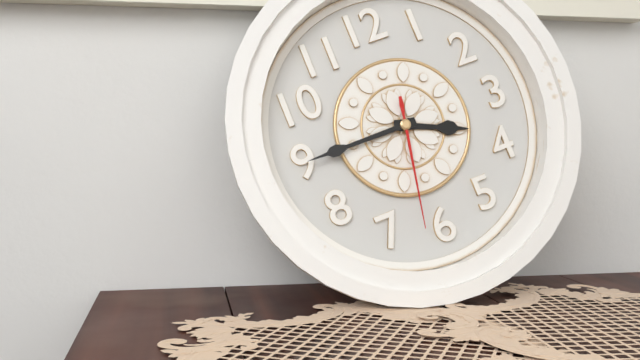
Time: **3:45:32**
